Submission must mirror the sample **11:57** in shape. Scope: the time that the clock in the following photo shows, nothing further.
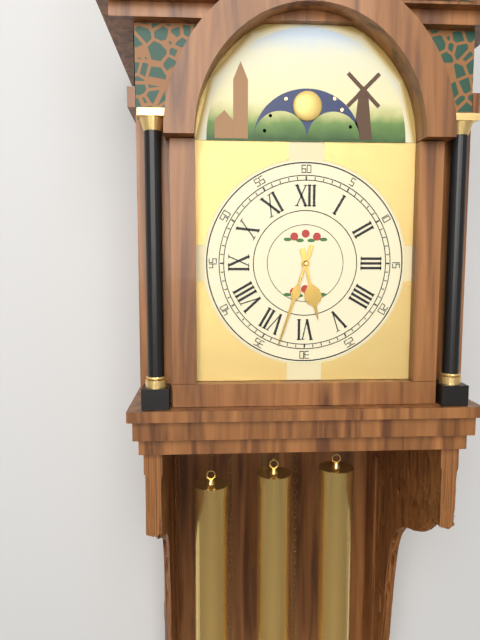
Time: **5:33**
